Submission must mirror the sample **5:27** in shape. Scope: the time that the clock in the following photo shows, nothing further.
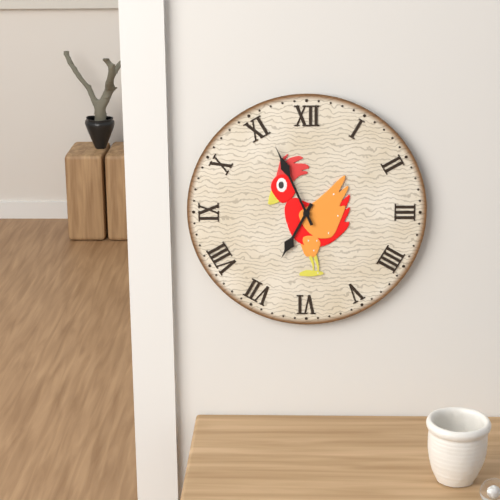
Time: **6:56**
